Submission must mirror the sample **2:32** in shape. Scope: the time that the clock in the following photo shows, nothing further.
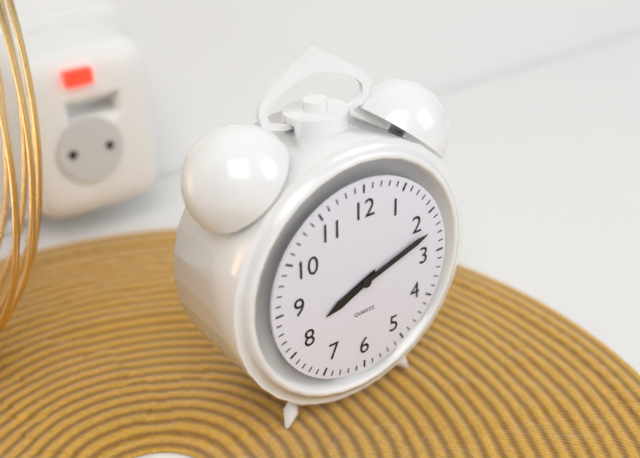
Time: **8:12**
